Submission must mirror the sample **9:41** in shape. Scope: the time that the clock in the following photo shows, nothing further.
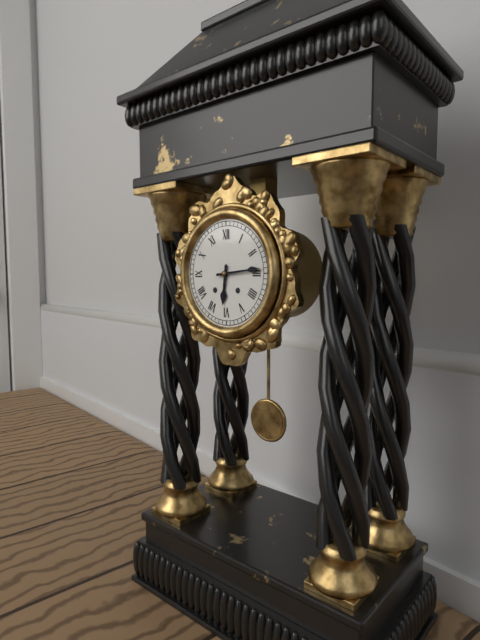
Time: **6:14**
